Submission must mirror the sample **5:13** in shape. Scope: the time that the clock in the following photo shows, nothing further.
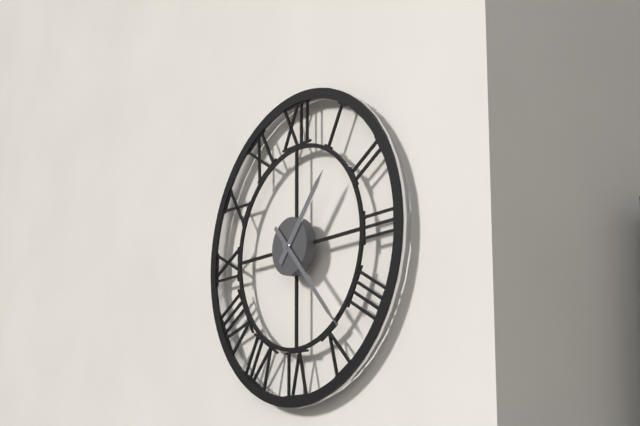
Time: **1:23**
